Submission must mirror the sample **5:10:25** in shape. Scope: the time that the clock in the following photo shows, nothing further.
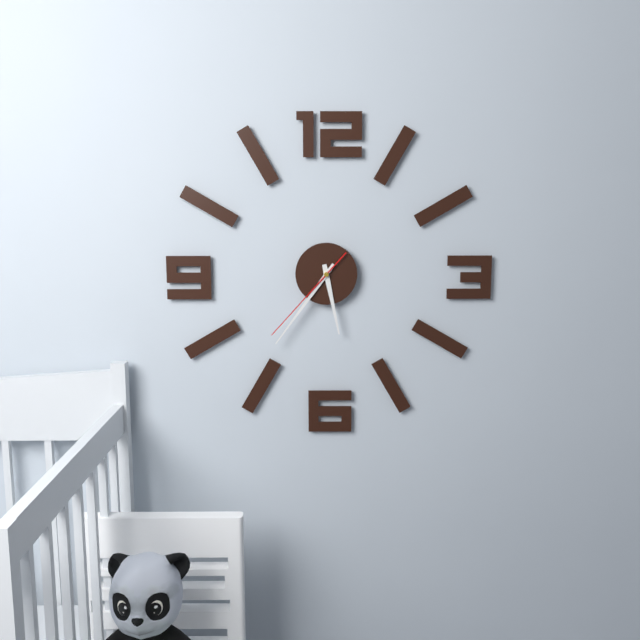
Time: **5:36:37**
